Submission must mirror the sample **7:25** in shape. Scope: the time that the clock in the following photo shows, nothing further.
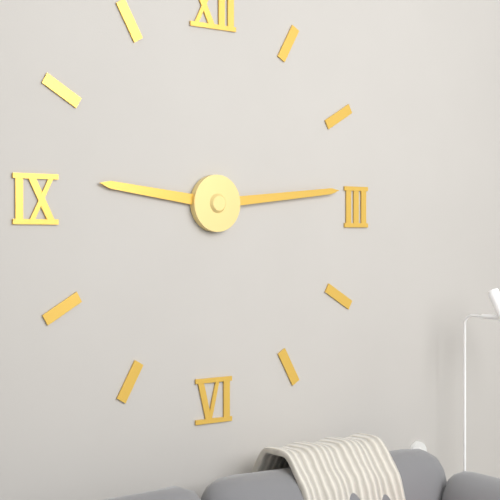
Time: **9:14**
